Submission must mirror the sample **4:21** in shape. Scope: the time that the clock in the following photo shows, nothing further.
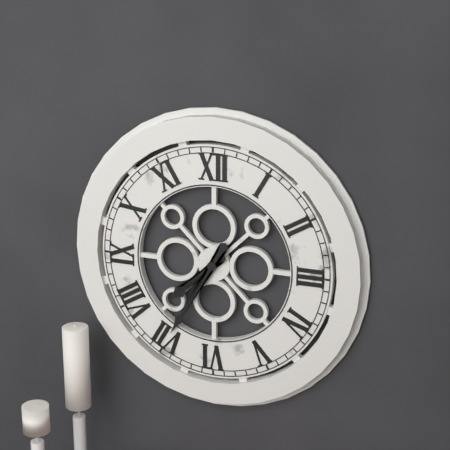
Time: **7:35**
